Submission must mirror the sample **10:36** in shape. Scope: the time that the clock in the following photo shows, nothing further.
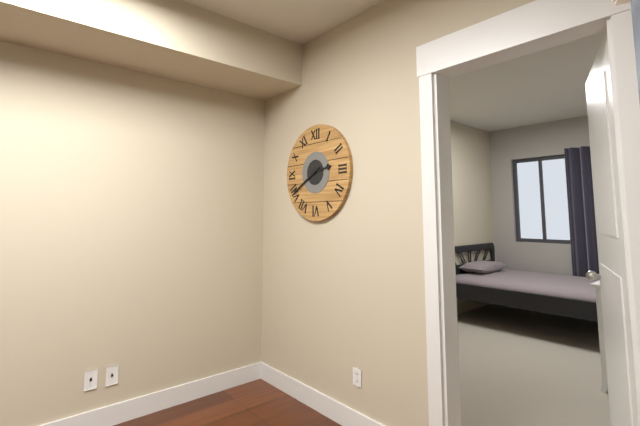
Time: **2:40**
